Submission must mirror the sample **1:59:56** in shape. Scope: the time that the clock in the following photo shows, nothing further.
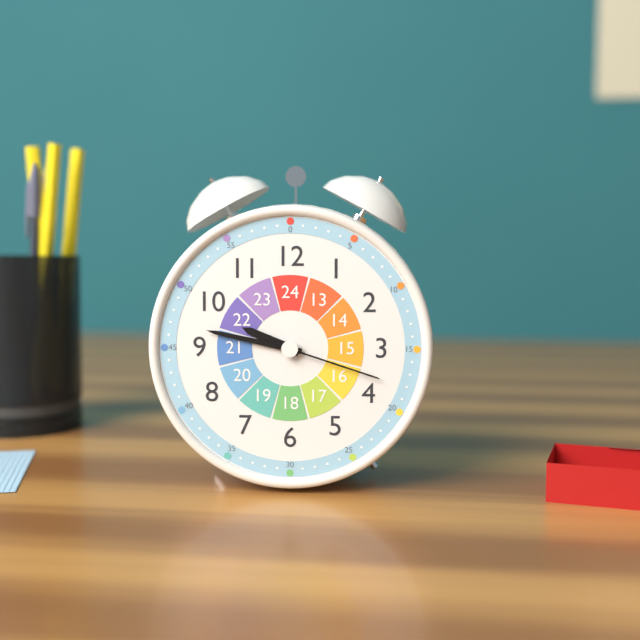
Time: **9:47:18**
